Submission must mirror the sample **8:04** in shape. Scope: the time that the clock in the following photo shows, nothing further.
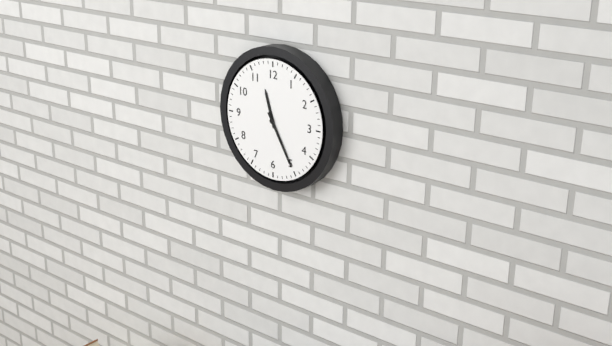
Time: **11:25**
